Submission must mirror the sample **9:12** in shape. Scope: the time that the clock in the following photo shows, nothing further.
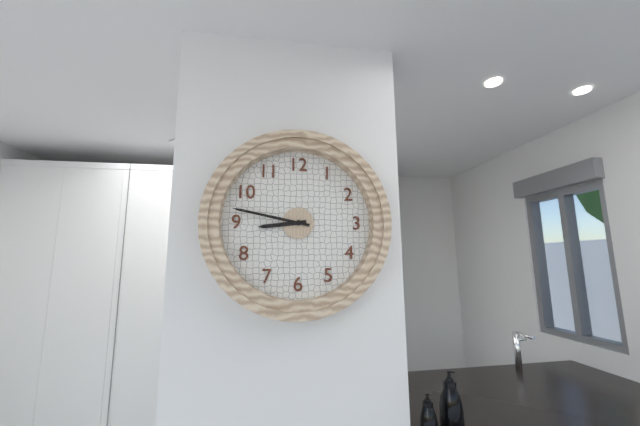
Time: **8:47**
